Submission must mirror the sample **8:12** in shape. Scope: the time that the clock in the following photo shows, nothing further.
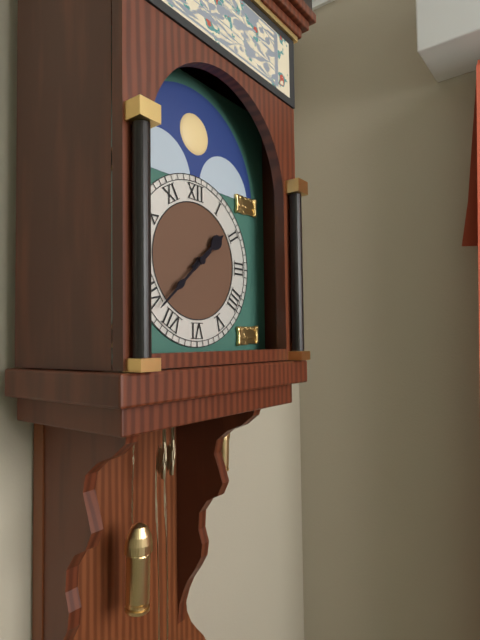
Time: **1:38**
